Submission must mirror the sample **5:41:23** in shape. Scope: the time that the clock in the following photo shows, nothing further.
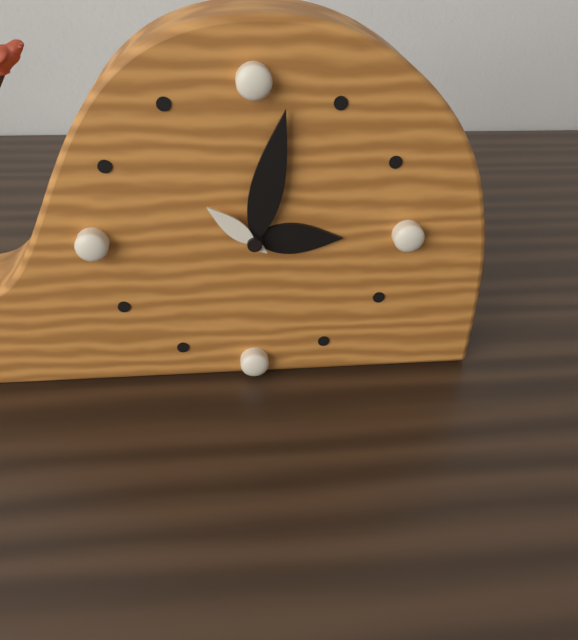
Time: **3:02:52**
